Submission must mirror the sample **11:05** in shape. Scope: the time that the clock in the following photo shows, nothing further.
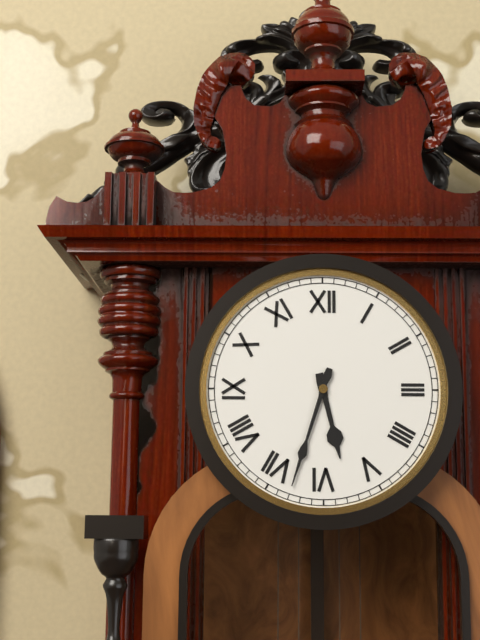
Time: **5:33**
